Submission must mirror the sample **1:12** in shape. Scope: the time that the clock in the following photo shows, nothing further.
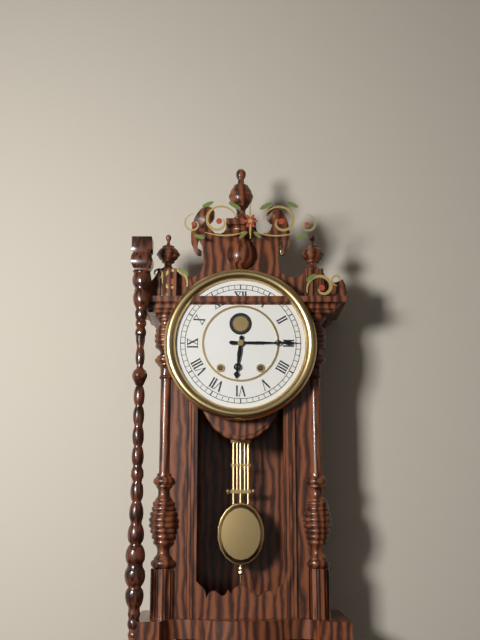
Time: **6:15**
